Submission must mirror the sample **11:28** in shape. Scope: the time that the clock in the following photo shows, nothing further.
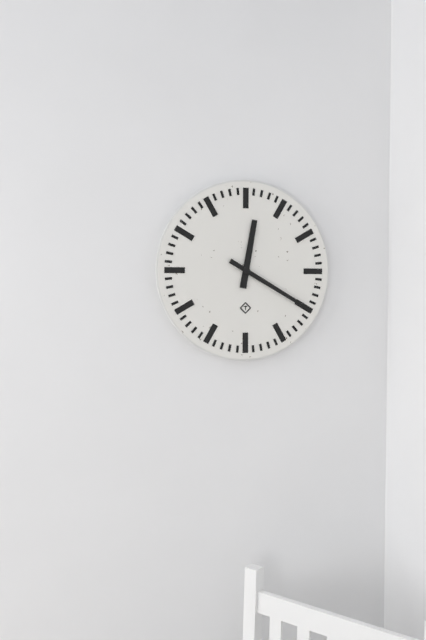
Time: **12:20**
